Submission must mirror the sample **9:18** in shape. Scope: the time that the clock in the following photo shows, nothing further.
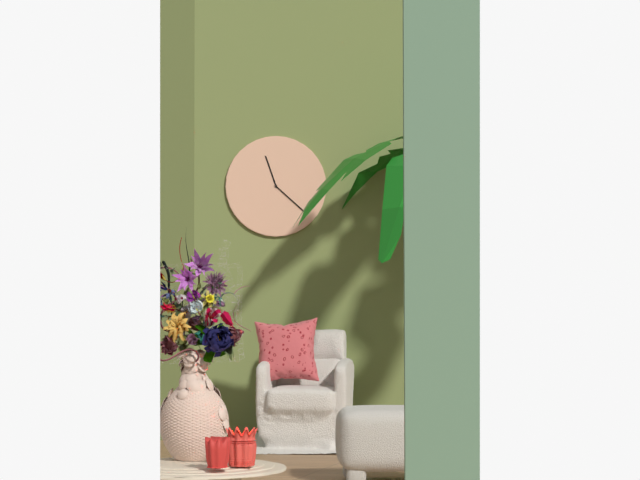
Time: **11:22**
